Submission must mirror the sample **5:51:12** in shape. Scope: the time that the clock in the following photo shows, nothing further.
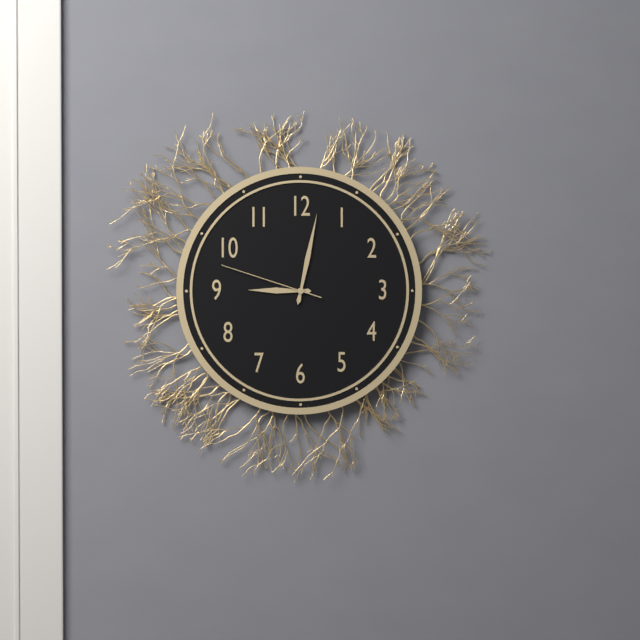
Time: **9:02:48**
